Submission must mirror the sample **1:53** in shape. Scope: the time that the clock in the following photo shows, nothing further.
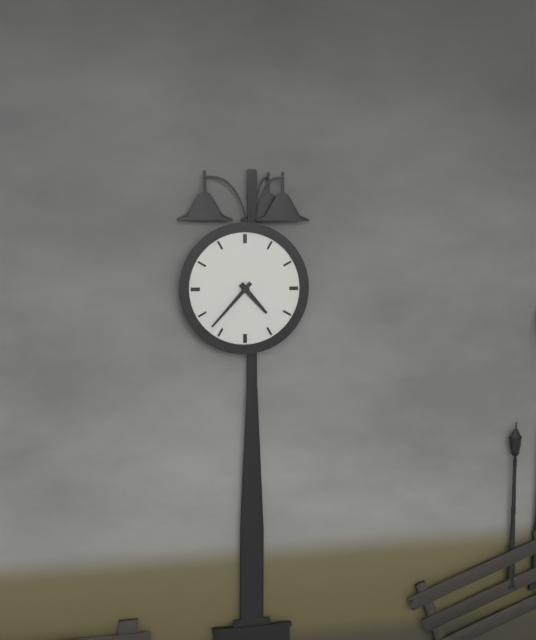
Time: **4:37**
